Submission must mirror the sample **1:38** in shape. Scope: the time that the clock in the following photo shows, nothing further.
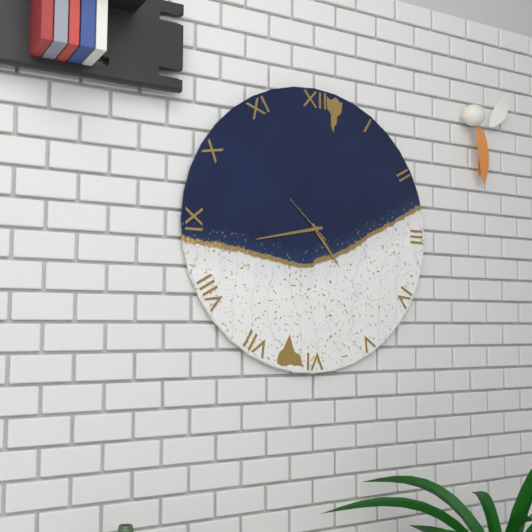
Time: **4:43**
